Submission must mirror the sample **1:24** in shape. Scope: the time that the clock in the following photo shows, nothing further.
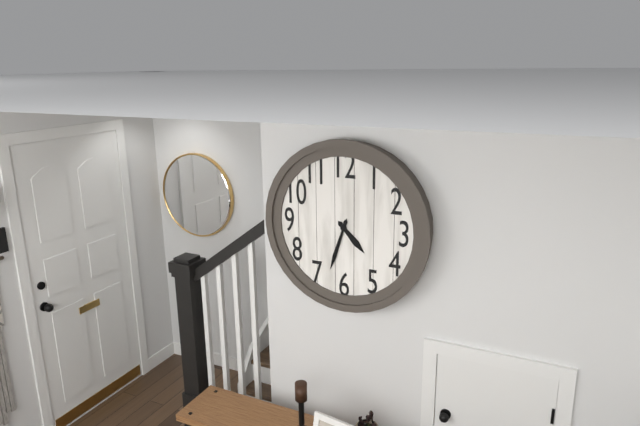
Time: **4:33**
